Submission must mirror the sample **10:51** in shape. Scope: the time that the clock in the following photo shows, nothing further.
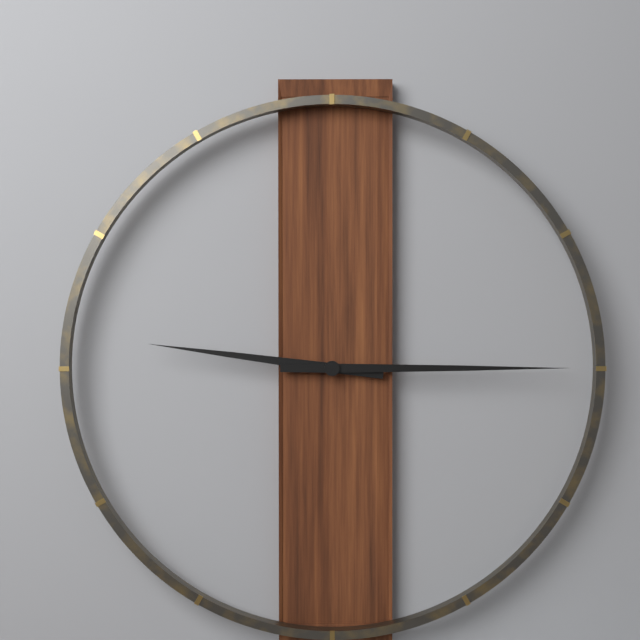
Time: **9:15**
